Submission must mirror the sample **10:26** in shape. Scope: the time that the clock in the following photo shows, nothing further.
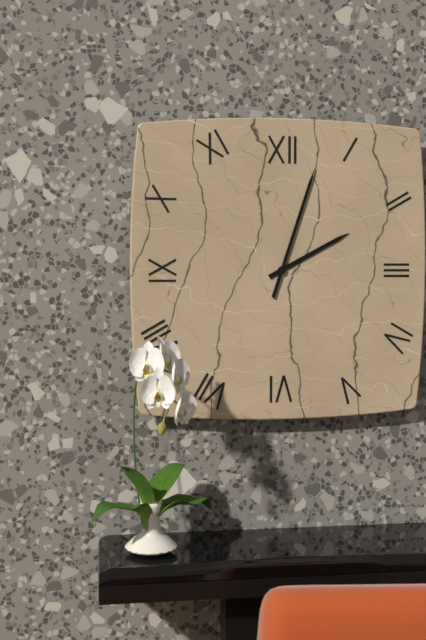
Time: **2:03**
